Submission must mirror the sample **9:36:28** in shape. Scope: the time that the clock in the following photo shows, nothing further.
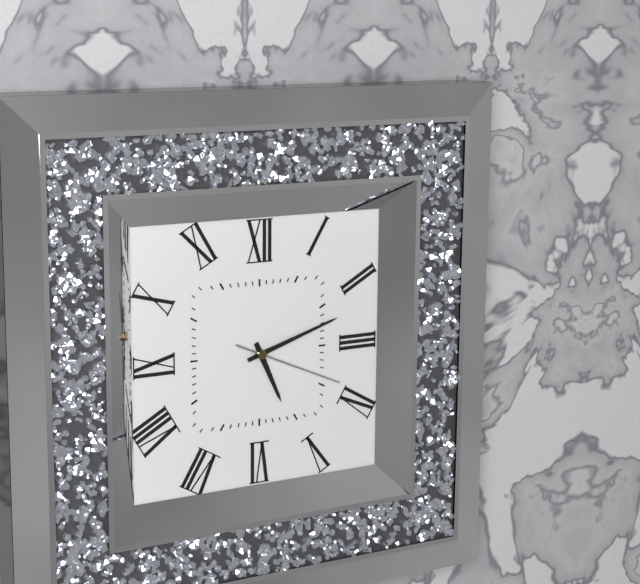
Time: **5:12:19**
